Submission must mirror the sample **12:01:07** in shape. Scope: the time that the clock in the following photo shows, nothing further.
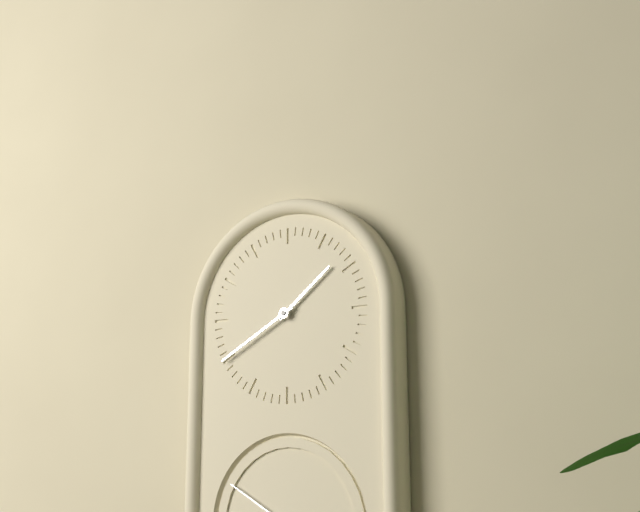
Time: **1:40:50**
